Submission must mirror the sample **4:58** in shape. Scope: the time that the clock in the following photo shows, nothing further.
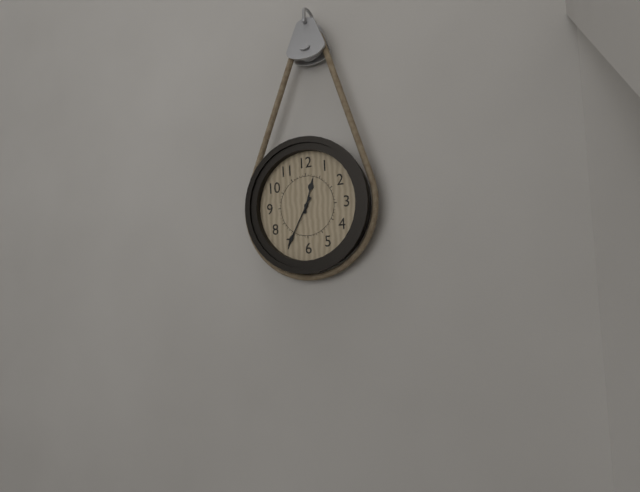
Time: **12:35**
